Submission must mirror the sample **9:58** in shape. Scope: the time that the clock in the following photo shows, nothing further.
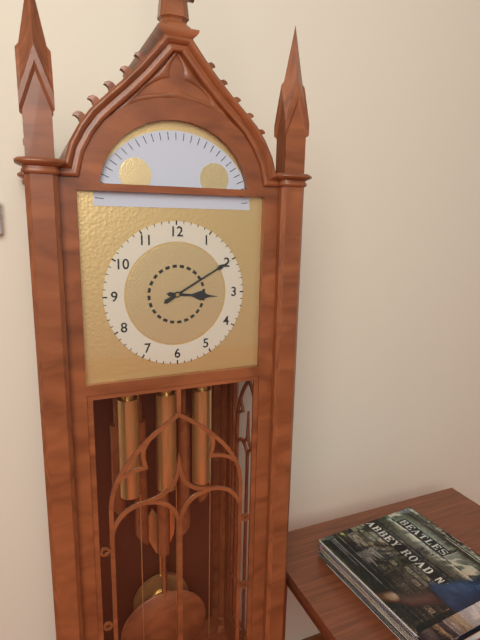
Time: **3:10**
